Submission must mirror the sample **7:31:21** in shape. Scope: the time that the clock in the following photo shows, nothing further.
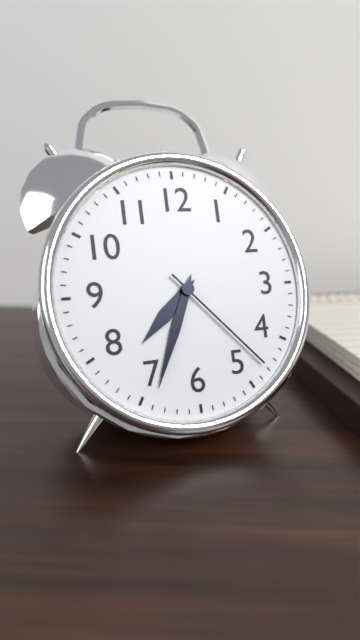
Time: **7:34:23**
